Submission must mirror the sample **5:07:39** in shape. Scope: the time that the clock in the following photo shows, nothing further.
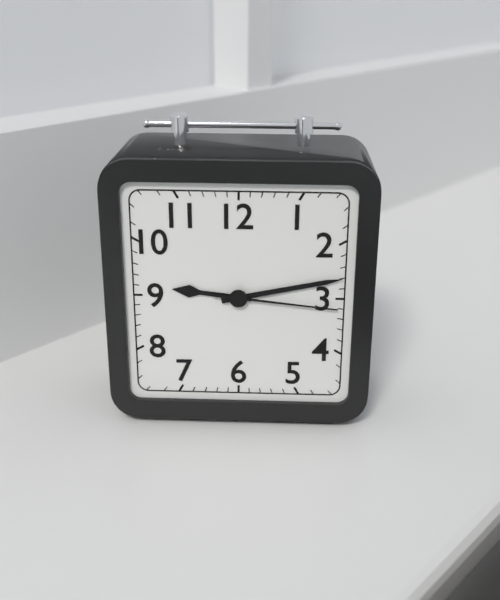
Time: **9:13:16**
